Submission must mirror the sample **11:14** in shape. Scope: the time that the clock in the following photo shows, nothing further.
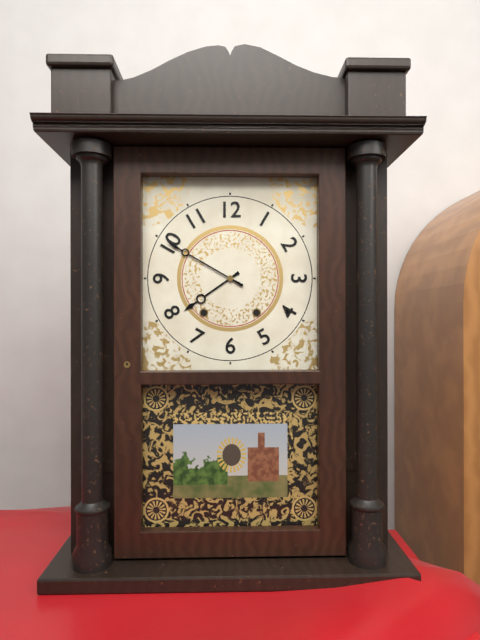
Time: **7:50**
